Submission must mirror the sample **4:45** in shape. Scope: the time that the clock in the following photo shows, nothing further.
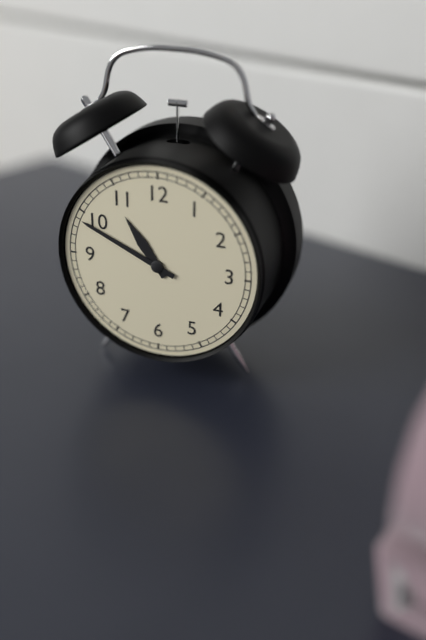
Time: **10:49**
